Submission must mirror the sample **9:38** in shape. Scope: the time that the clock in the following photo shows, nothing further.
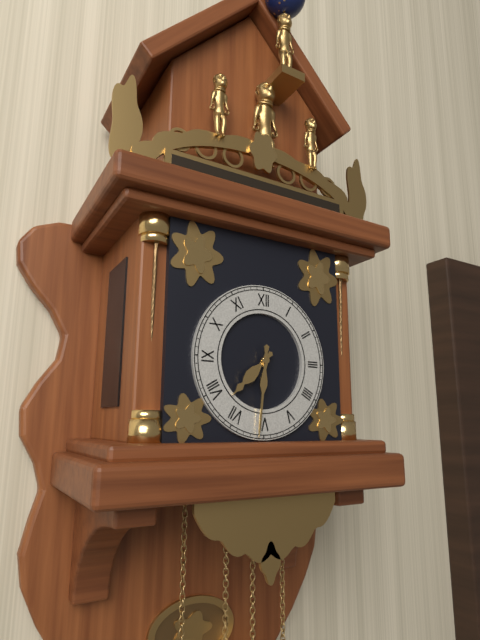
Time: **7:31**
